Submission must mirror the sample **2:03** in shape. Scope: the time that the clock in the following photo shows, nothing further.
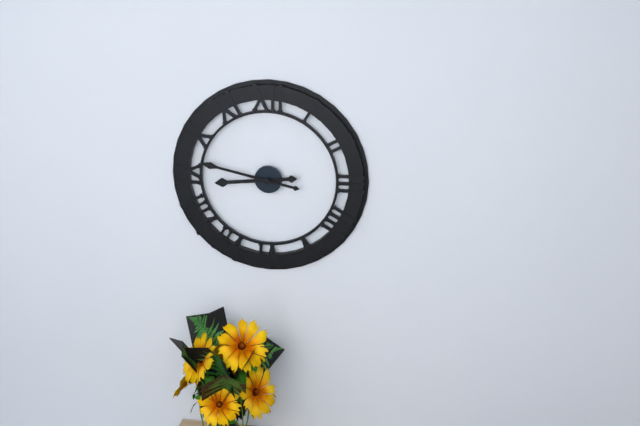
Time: **8:47**
